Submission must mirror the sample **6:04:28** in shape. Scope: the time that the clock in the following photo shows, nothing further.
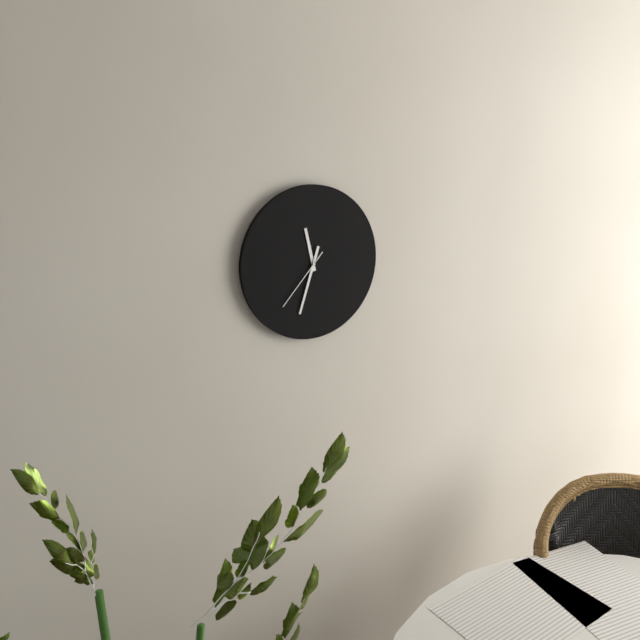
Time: **11:33:37**
